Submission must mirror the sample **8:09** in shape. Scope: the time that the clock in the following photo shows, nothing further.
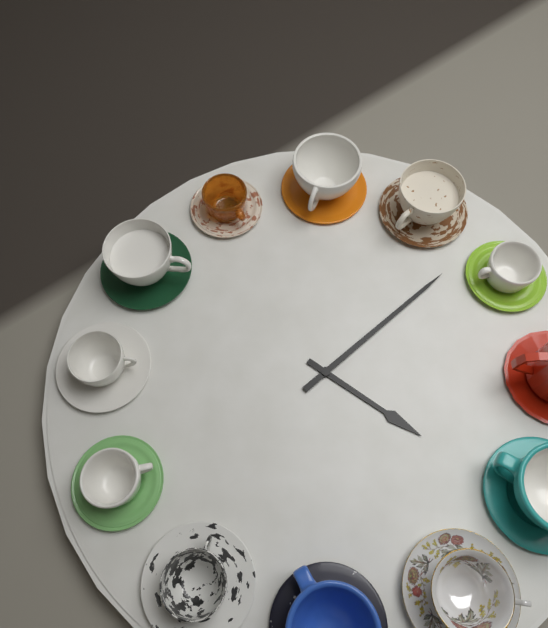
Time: **4:08**
